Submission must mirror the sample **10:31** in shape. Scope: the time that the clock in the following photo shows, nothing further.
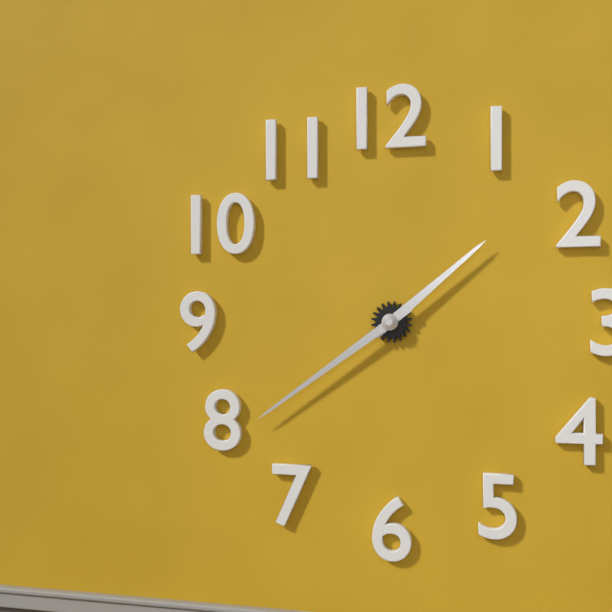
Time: **1:39**
